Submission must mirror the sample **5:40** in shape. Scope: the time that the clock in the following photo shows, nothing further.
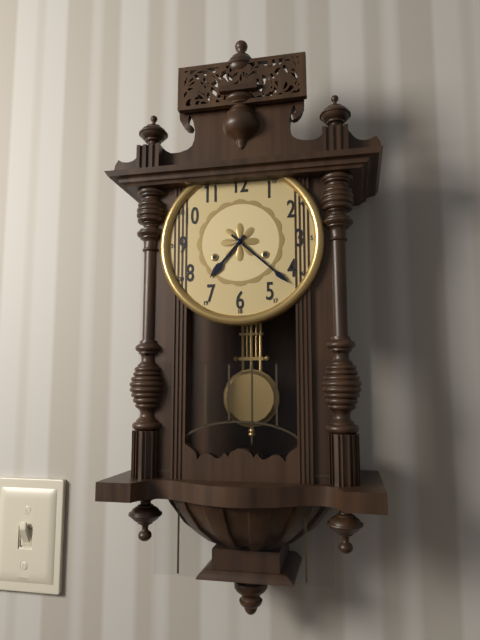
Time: **7:22**
